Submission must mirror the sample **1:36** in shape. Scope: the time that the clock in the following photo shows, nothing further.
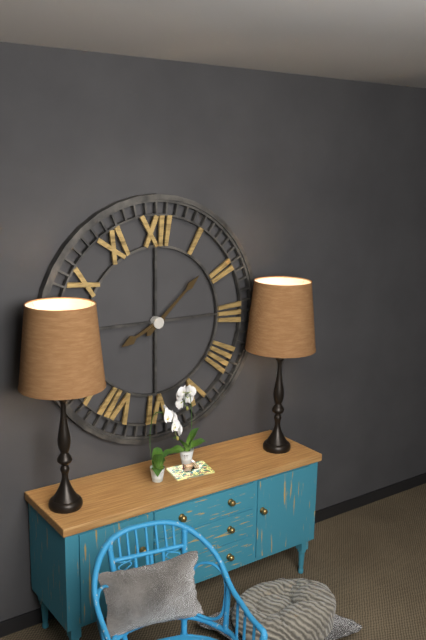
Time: **8:08**
